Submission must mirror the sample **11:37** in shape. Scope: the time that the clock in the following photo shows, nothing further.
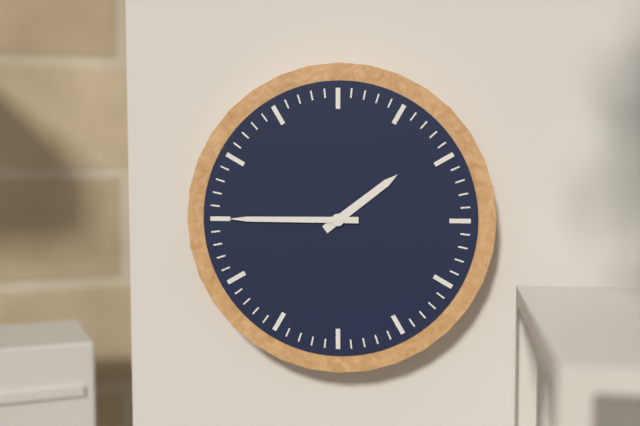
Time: **1:45**
